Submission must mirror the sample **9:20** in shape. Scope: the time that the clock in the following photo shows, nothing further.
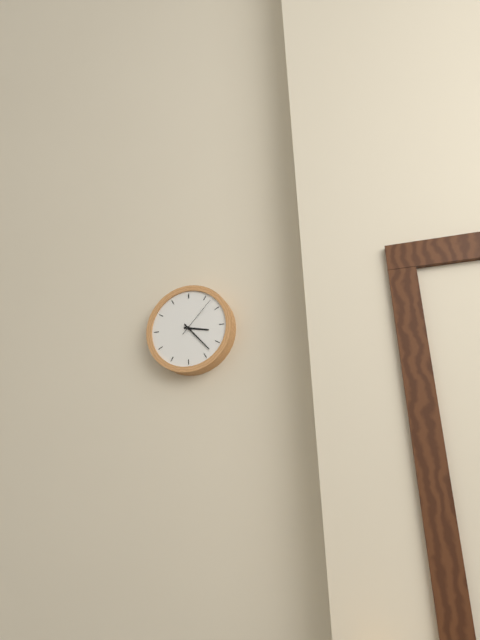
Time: **3:23**
